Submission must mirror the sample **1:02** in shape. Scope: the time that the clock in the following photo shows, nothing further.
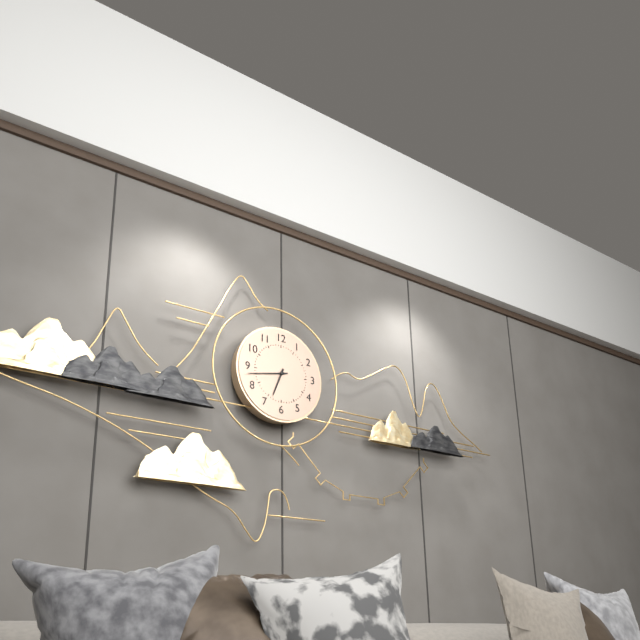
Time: **6:43**
